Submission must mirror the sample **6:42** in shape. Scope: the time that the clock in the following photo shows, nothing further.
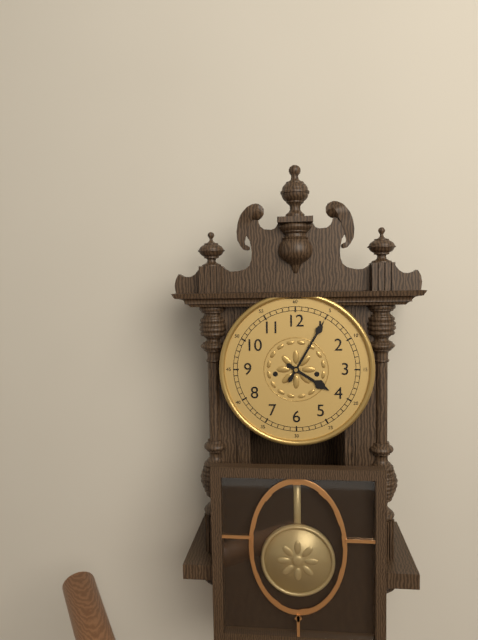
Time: **4:05**
